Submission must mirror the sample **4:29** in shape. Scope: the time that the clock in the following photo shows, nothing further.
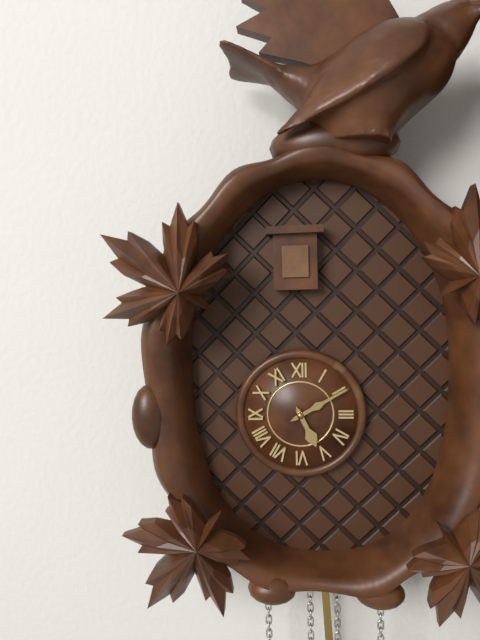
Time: **5:10**
